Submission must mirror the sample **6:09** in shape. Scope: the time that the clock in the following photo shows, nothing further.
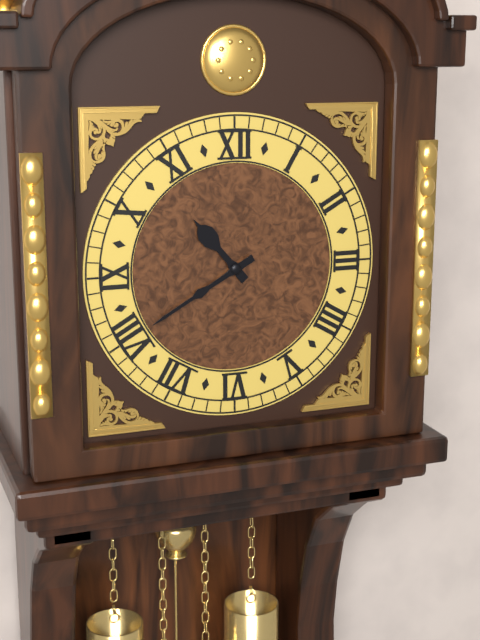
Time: **10:40**
